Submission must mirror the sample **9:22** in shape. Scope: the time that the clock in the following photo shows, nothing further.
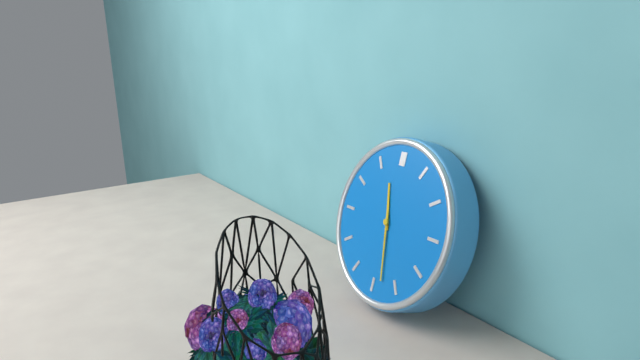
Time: **11:28**
